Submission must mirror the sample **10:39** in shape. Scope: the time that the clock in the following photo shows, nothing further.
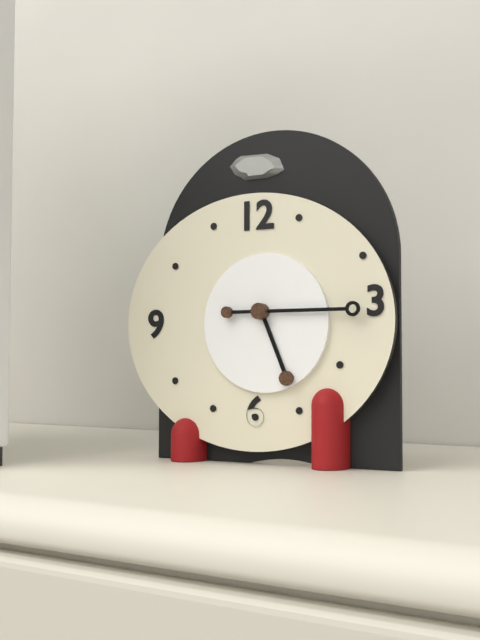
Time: **5:15**
